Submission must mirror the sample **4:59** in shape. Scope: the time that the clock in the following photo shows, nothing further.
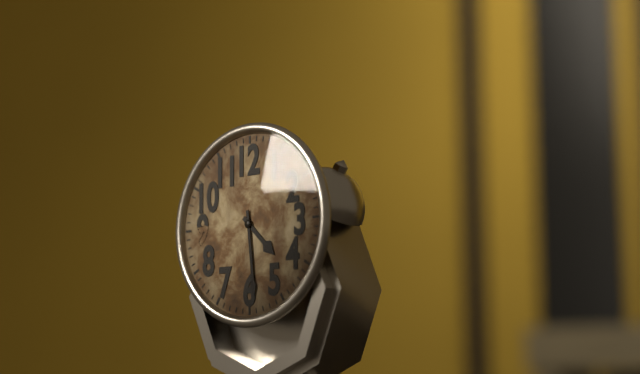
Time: **4:29**
